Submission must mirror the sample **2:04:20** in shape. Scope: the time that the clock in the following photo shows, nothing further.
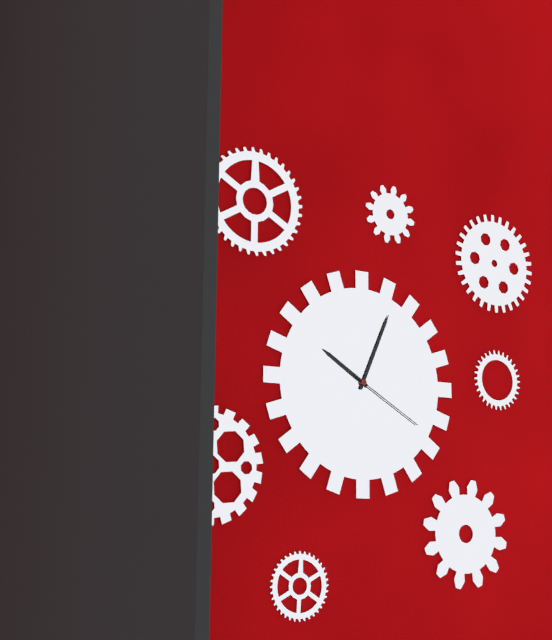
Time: **10:04:20**
